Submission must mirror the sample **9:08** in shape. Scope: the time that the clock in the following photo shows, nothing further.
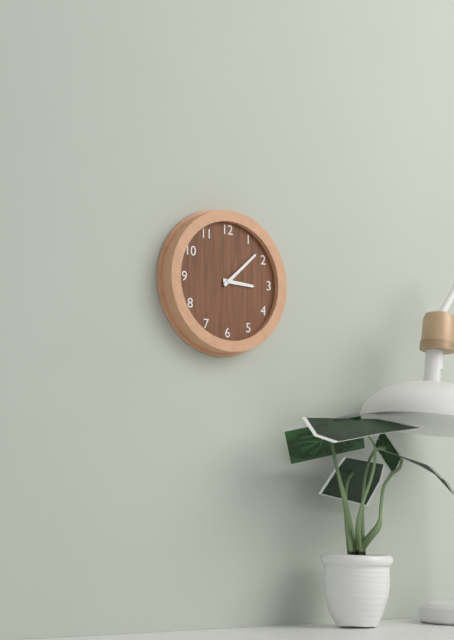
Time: **3:08**
